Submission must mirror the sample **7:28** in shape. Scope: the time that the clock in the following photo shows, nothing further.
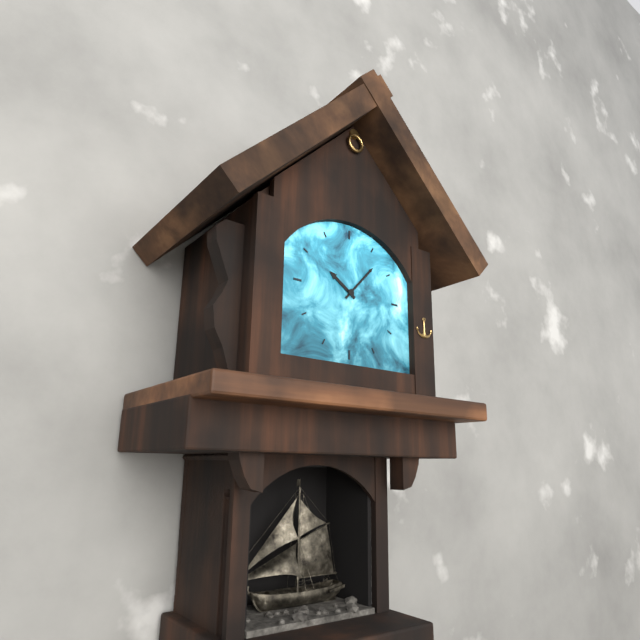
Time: **10:07**
